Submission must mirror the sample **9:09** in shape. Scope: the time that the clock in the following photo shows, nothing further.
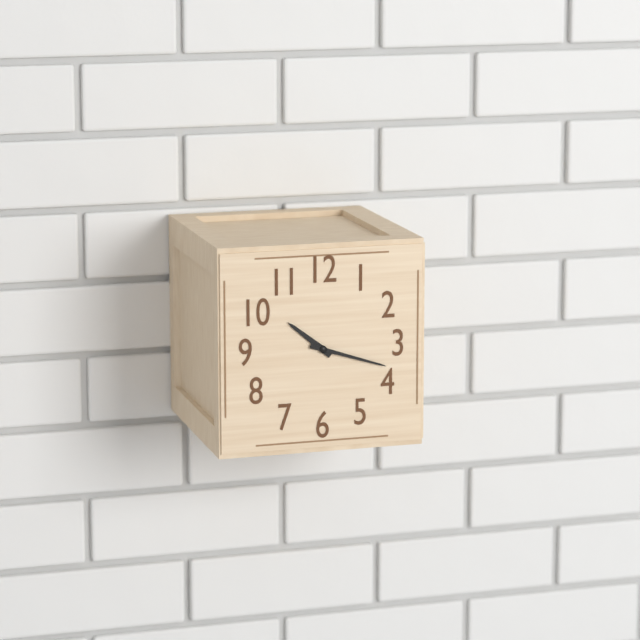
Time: **10:18**
